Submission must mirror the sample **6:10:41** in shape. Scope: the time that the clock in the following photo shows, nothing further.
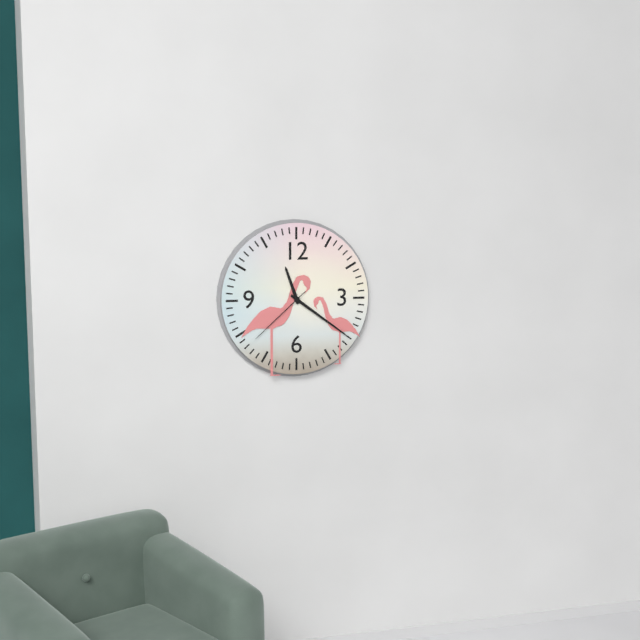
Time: **11:21:38**
